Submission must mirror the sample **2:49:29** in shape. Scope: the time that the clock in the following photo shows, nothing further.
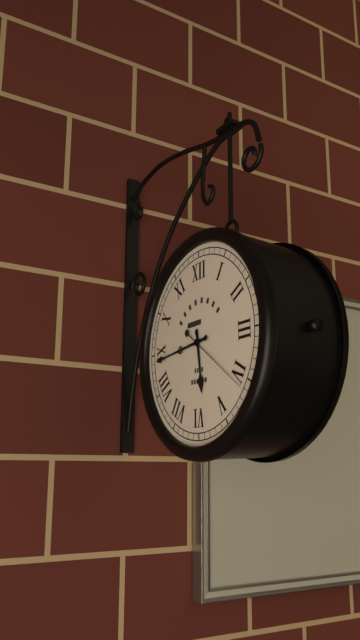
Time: **5:44:21**
